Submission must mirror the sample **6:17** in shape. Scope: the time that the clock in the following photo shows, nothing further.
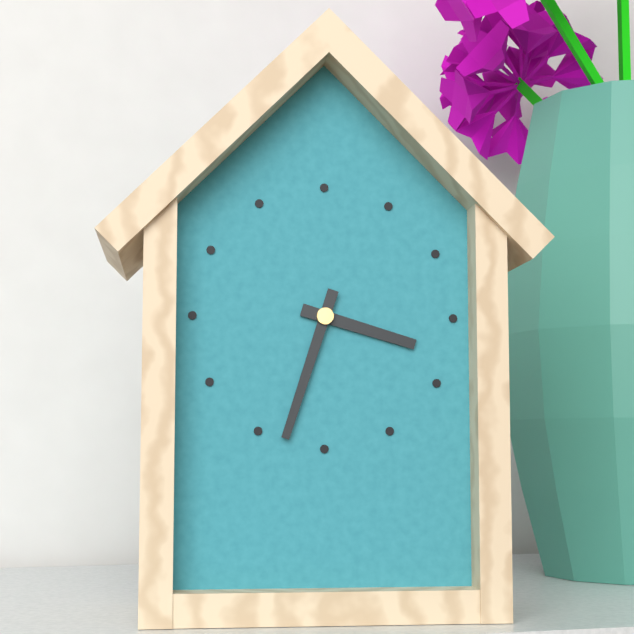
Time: **3:33**
